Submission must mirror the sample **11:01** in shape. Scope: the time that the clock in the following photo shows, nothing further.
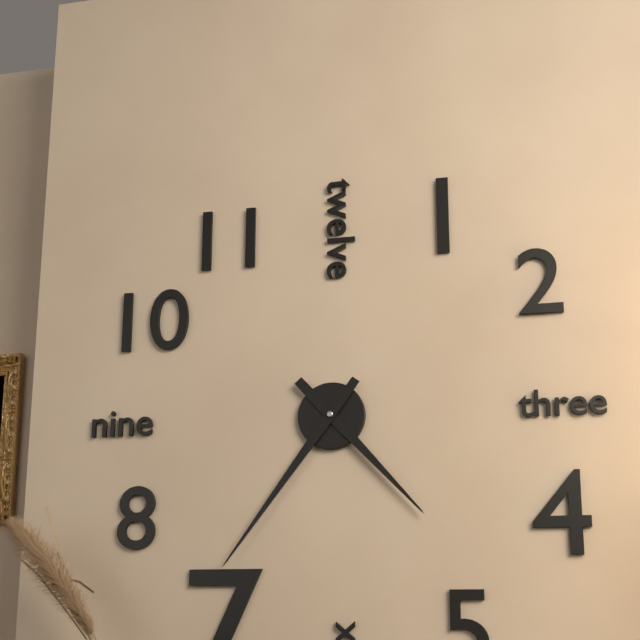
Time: **4:36**
